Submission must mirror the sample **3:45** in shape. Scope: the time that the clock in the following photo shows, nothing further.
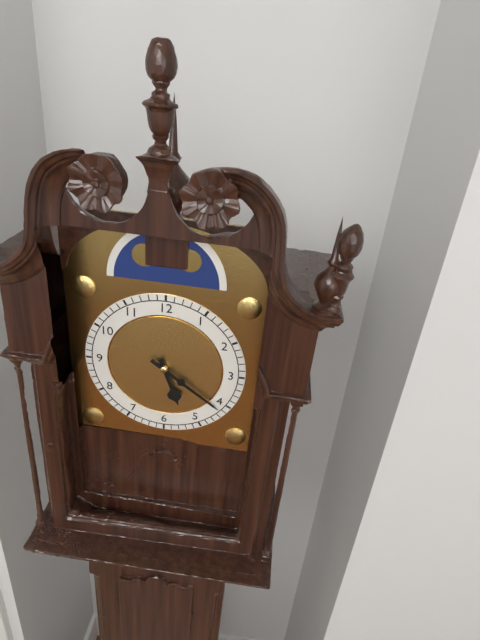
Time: **5:21**
